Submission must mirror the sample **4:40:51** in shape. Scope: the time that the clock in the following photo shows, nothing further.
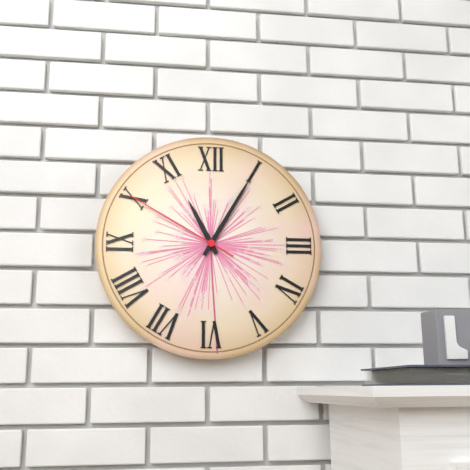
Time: **11:05:50**
